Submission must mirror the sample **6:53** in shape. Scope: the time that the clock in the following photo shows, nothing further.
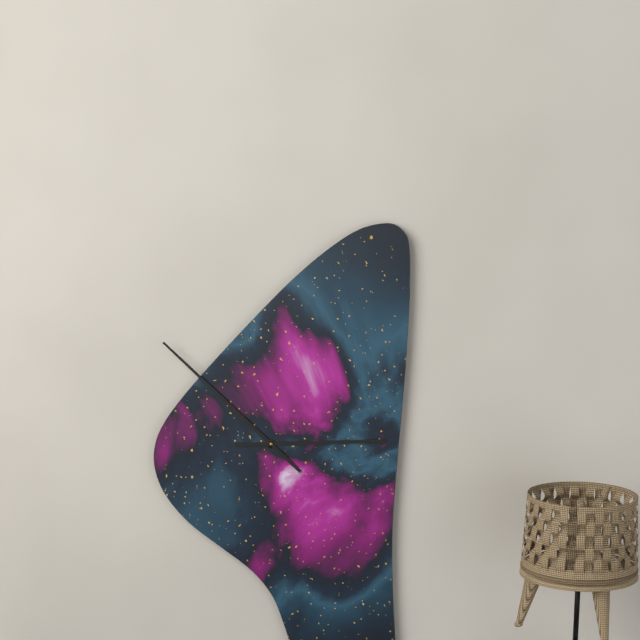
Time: **2:52**
